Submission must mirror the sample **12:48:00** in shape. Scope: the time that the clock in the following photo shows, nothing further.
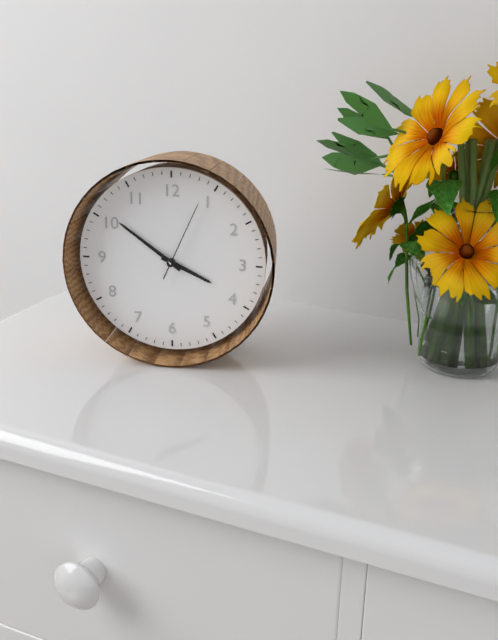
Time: **3:51:04**
